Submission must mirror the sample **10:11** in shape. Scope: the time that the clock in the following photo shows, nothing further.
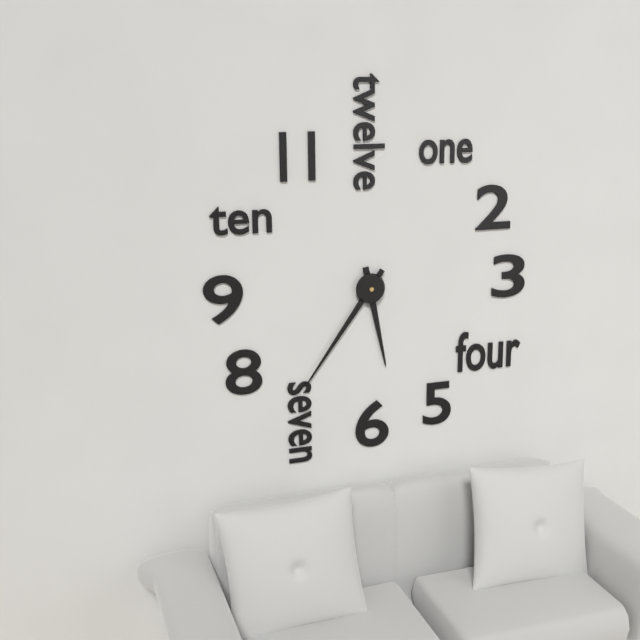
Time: **5:36**
